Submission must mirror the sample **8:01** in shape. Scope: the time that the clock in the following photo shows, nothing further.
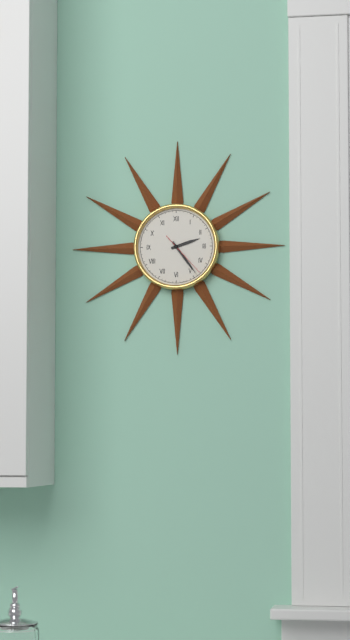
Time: **2:24**
